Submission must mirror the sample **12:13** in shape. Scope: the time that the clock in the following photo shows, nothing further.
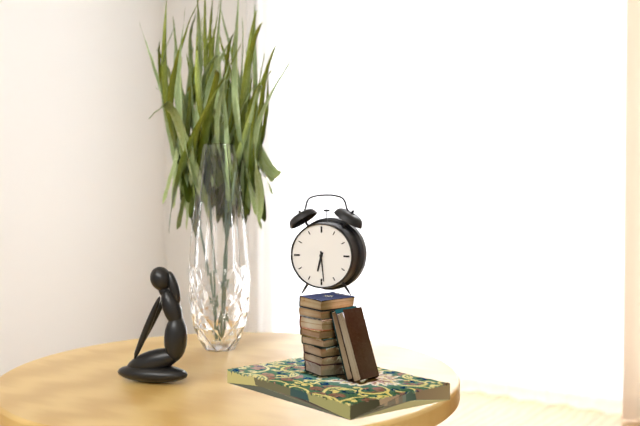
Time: **6:29**
